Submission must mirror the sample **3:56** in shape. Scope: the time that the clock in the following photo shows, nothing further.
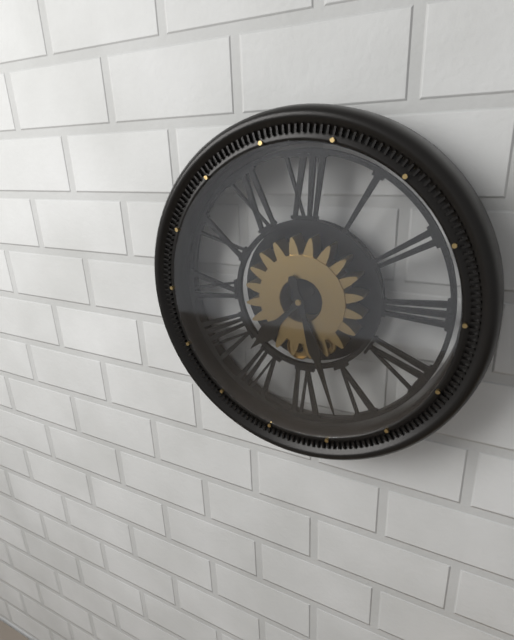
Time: **7:27**
